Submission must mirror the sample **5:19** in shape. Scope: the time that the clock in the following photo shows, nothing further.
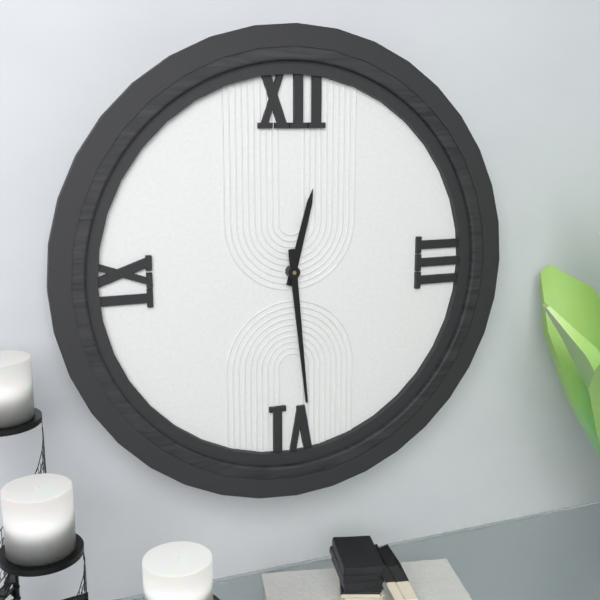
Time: **12:29**
